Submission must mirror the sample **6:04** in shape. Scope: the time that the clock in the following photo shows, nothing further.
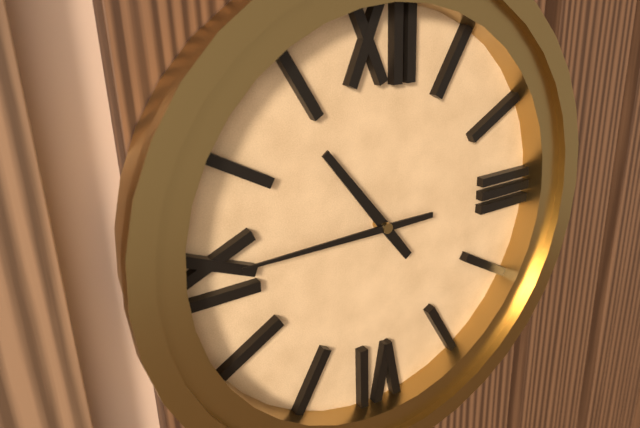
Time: **10:45**
